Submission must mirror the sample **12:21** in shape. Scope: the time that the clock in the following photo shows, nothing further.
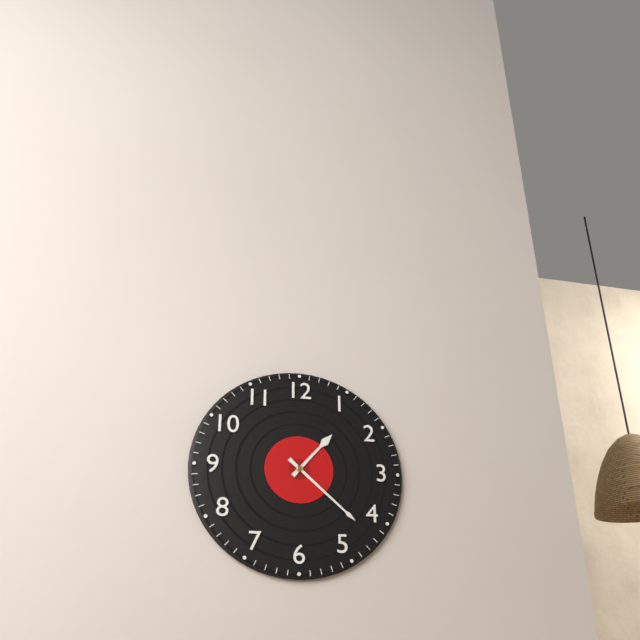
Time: **1:22**
